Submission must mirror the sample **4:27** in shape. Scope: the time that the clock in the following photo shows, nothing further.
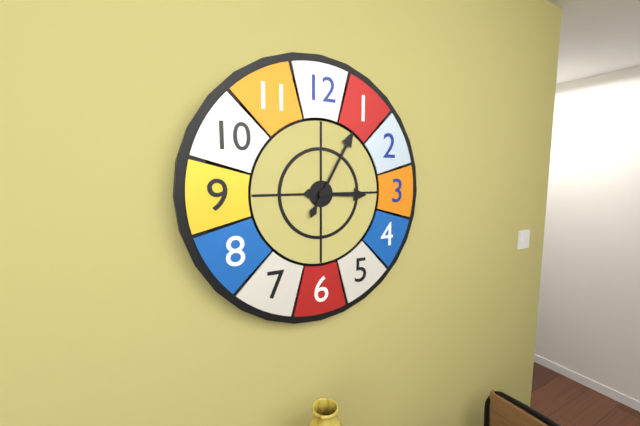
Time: **3:05**
